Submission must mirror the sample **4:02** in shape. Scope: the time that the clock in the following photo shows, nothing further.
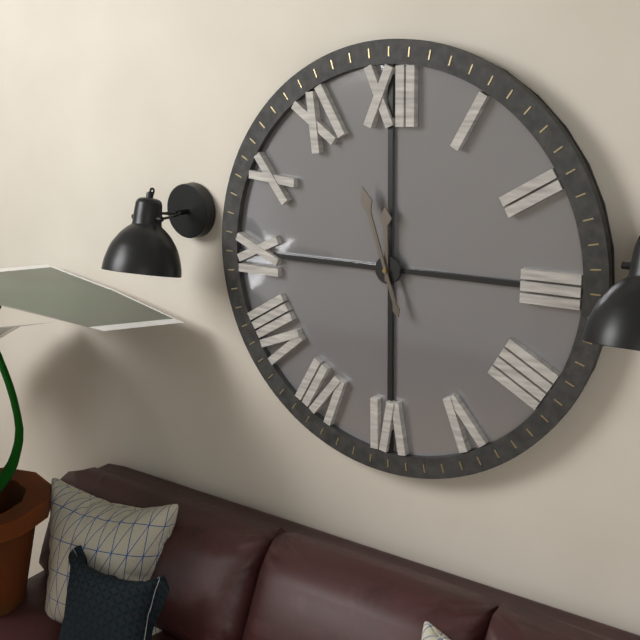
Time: **11:57**
